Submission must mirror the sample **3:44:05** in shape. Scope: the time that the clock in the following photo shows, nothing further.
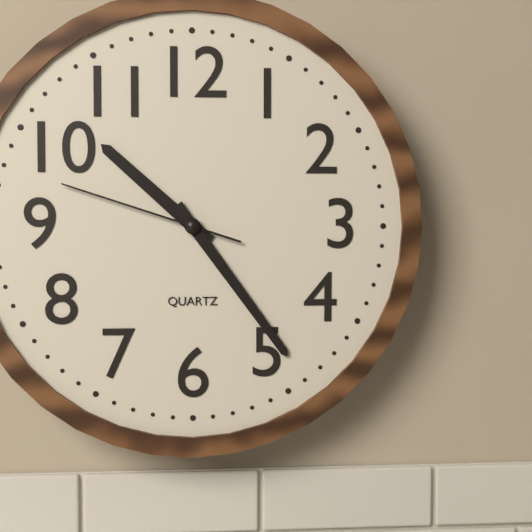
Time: **10:24:48**
